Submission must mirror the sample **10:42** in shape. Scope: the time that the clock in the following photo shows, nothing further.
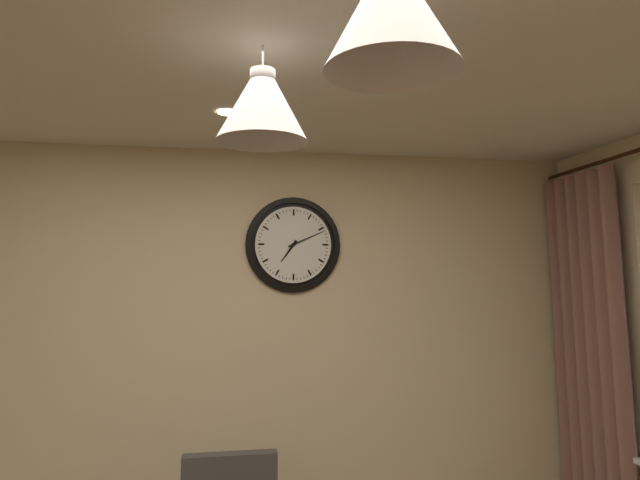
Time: **7:11**
